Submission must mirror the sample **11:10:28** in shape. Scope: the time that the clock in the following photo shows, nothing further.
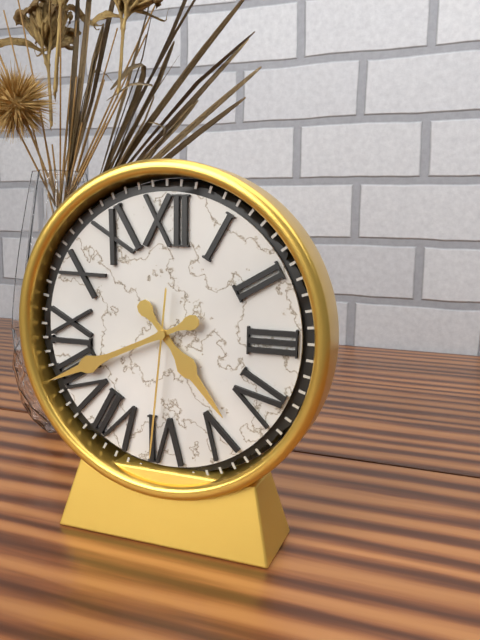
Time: **4:41:31**
